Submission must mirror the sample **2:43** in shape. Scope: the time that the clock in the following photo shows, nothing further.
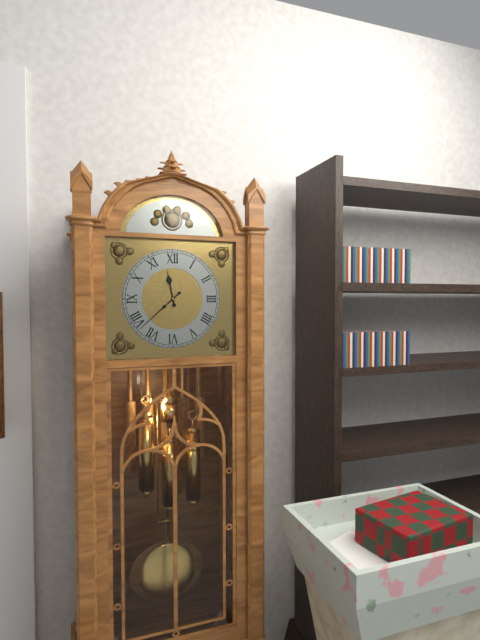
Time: **11:38**
